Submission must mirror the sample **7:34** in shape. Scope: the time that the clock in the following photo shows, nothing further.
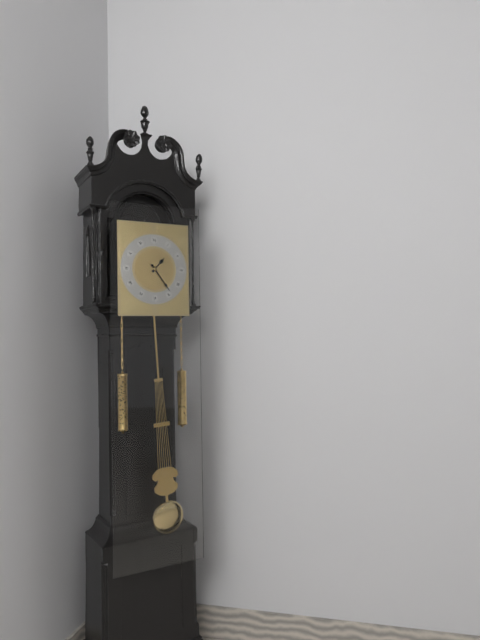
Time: **1:24**
